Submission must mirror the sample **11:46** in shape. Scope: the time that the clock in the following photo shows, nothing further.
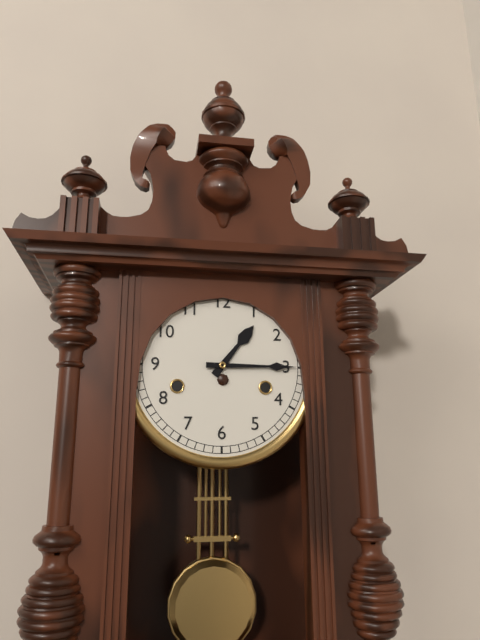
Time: **1:15**
